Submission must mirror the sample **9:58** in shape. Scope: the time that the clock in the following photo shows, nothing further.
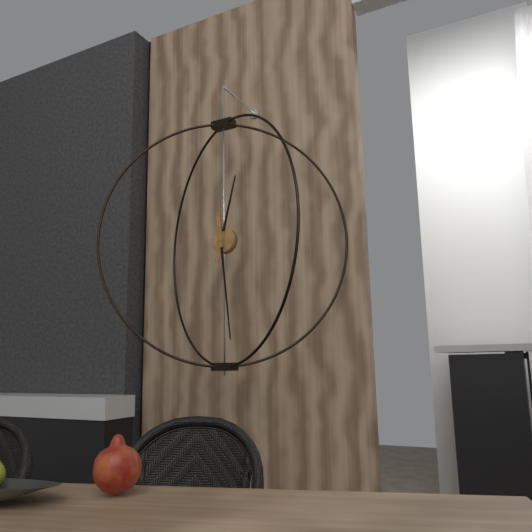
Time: **12:29**
